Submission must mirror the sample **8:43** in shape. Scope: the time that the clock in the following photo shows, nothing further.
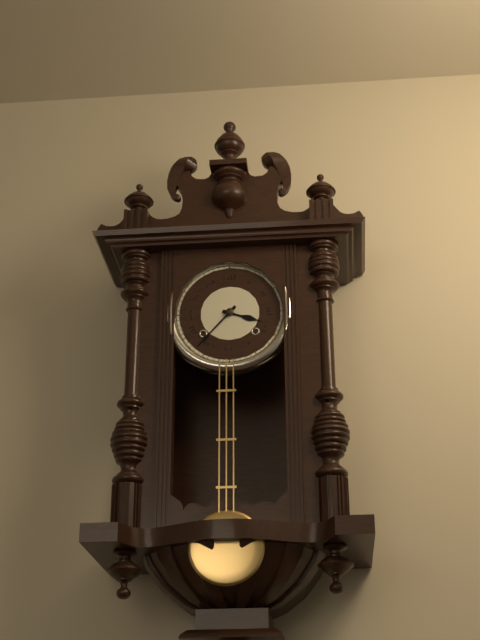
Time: **3:37**
